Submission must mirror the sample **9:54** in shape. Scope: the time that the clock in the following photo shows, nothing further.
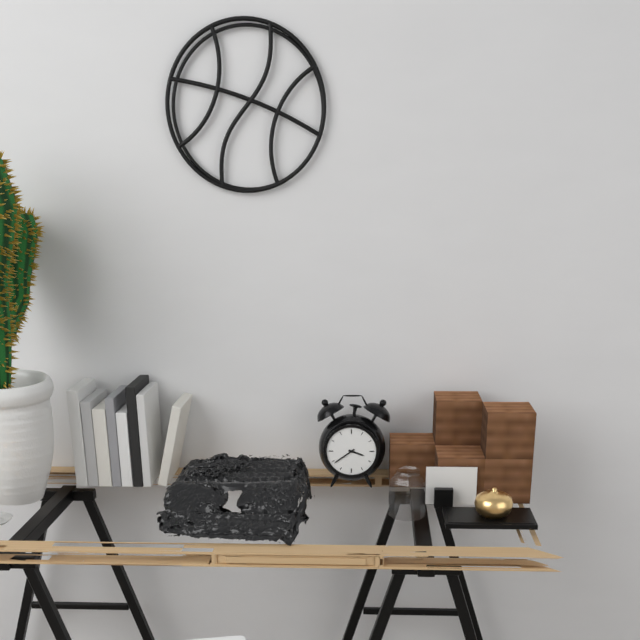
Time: **3:39**
